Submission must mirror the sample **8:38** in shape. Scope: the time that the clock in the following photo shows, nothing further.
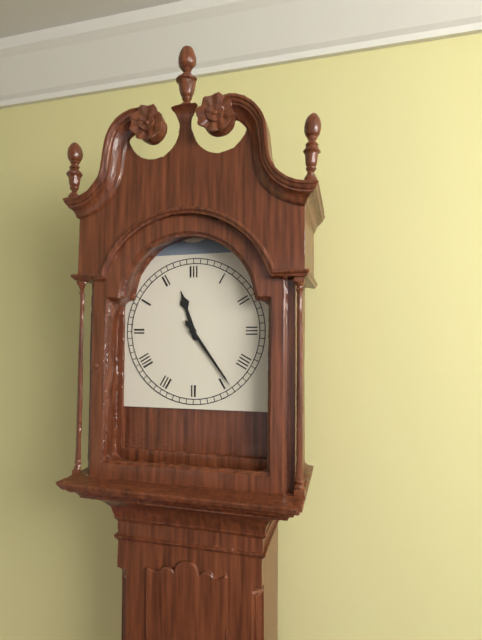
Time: **11:24**
